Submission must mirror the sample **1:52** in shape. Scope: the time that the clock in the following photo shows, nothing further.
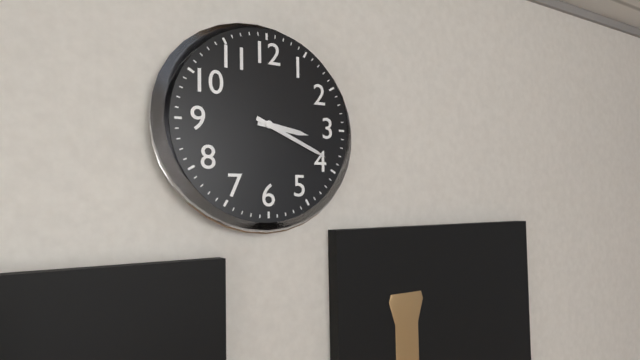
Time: **3:19**
